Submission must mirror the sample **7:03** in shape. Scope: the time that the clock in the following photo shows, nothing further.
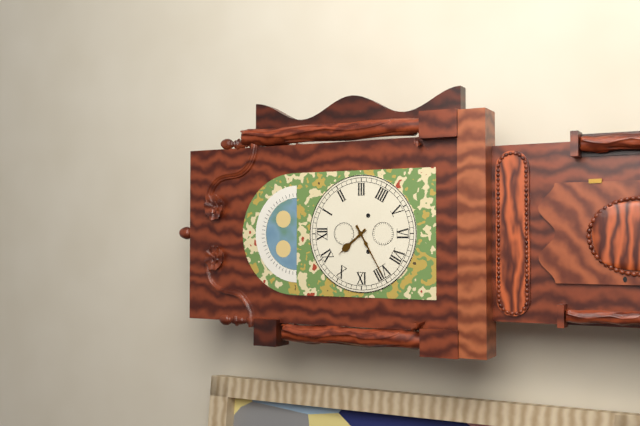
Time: **10:40**
